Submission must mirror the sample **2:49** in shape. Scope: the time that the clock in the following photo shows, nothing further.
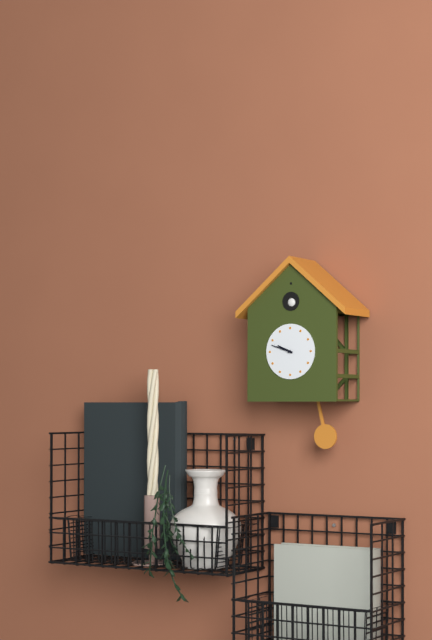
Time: **9:48**
